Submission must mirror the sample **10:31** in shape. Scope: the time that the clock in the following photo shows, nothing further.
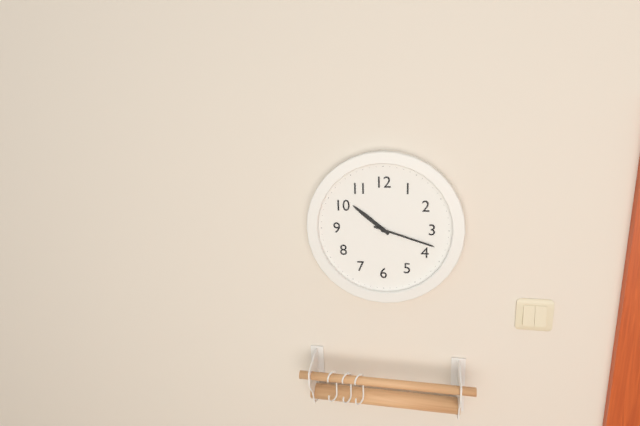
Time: **10:18**
